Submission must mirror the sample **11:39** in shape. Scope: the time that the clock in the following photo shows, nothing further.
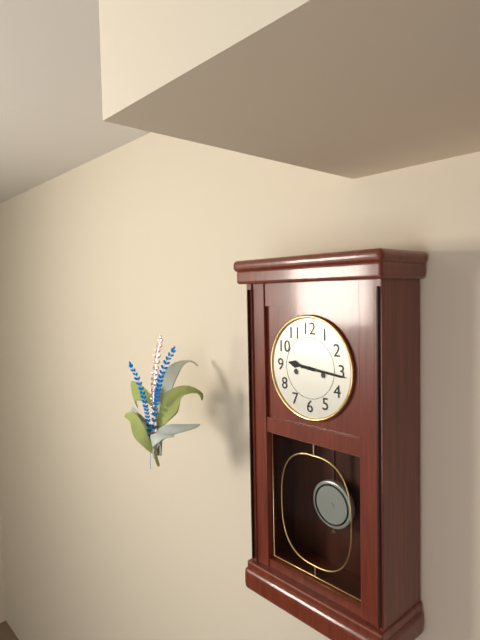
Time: **9:16**
